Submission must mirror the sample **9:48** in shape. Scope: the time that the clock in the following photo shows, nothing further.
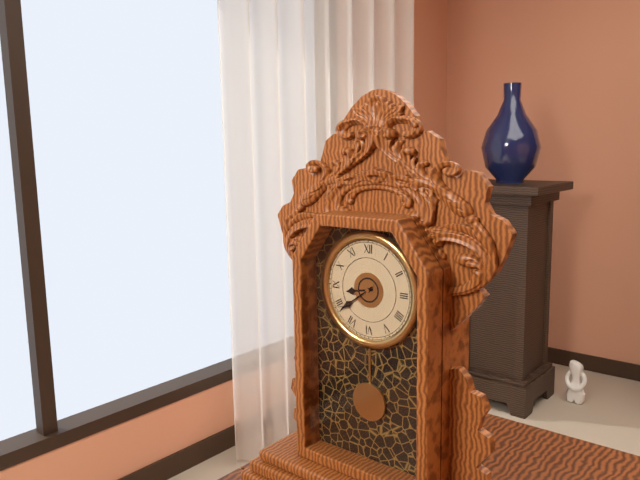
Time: **8:39**
